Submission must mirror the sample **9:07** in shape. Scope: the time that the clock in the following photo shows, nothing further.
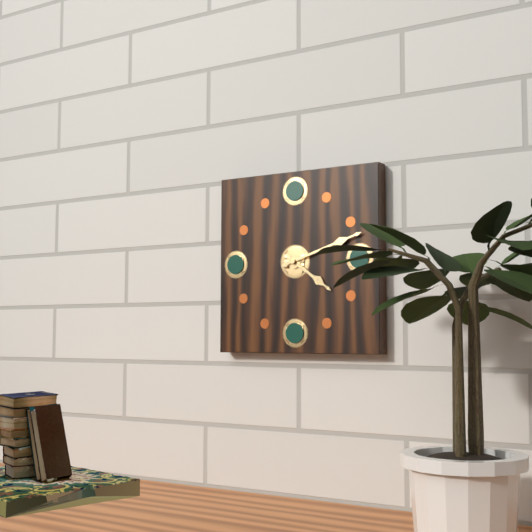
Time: **4:12**
